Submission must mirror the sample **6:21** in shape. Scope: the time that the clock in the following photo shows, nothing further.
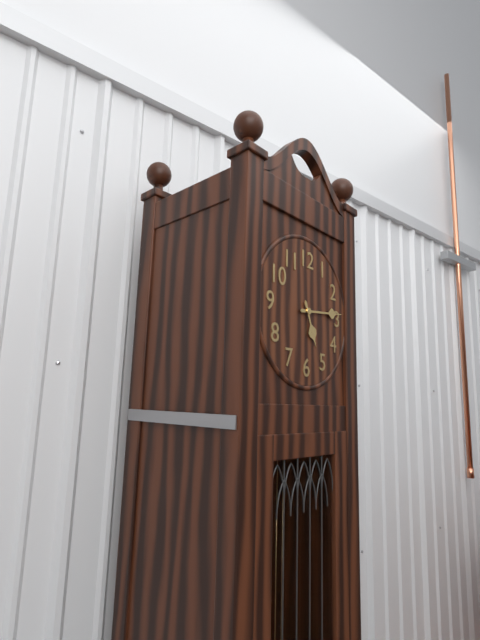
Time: **5:14**
